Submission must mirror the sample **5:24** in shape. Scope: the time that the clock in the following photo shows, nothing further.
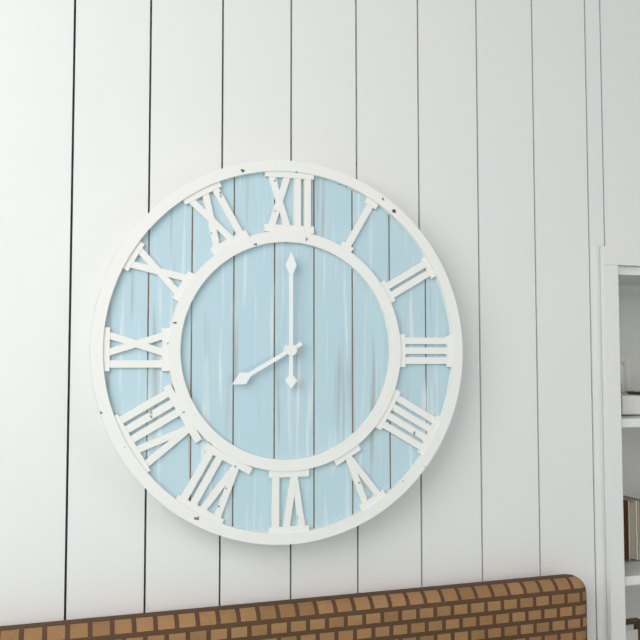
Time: **8:00**
